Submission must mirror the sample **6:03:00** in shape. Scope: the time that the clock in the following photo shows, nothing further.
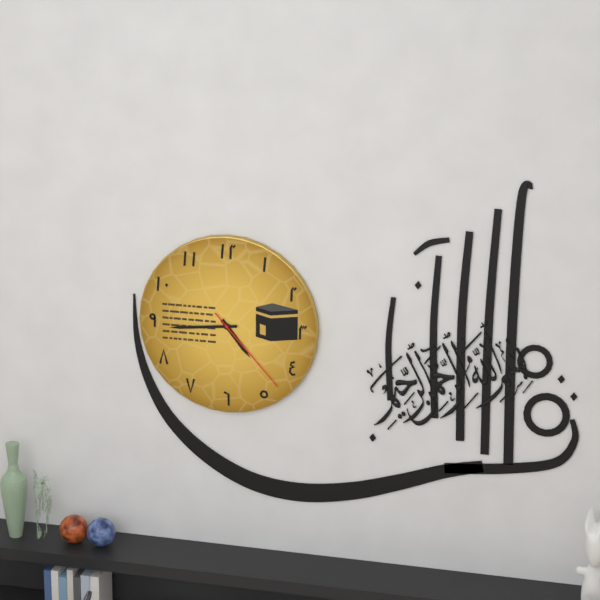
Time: **4:44:23**
